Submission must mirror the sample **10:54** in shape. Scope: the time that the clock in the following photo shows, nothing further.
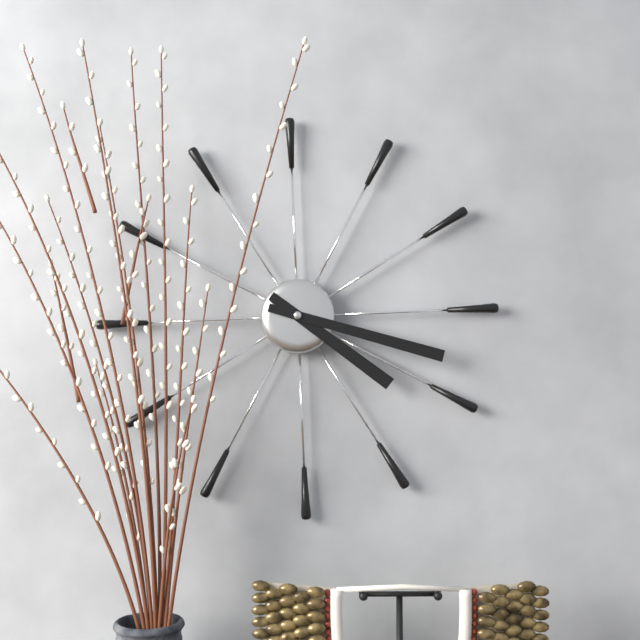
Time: **4:18**
